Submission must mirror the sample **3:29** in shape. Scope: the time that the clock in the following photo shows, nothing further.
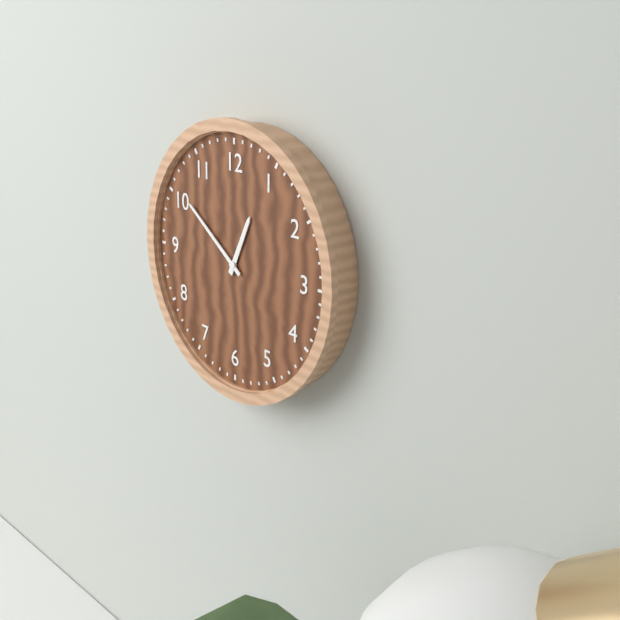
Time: **12:51**
